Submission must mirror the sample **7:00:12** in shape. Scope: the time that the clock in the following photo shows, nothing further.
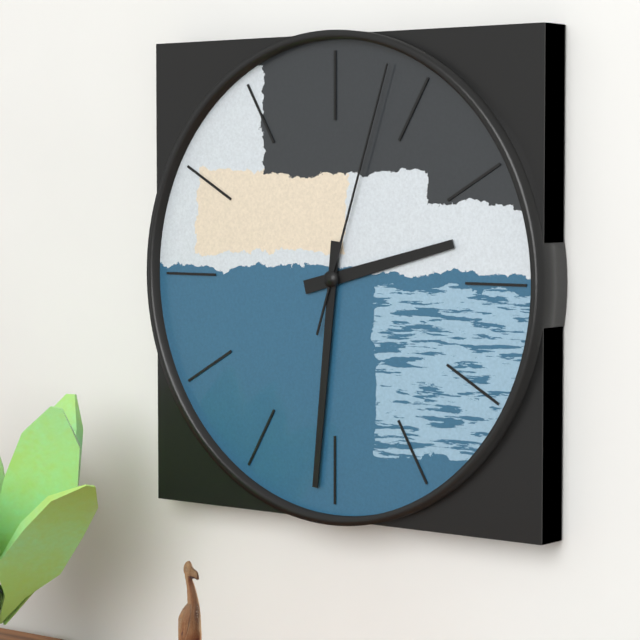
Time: **2:31:03**
